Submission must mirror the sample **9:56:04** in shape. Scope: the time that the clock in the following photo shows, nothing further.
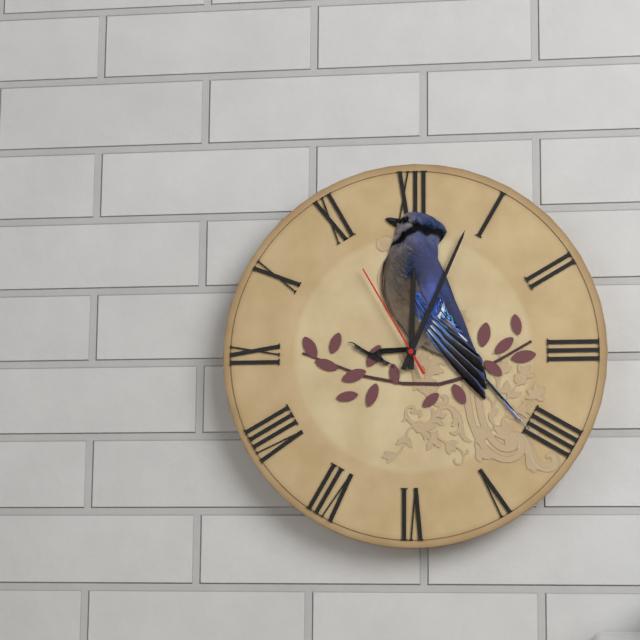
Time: **12:04:55**
